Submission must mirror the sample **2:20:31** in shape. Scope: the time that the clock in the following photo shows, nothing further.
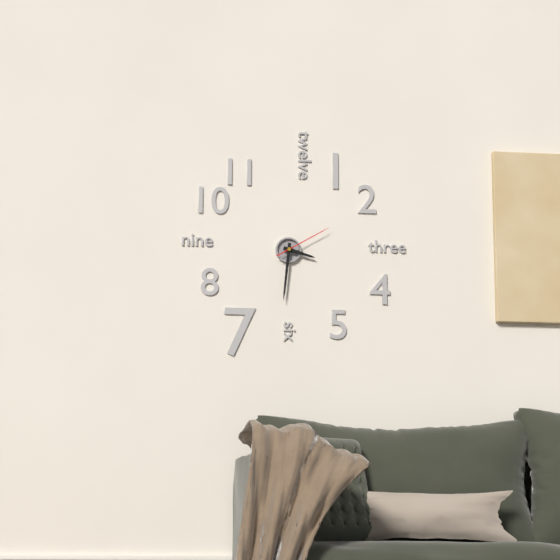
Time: **3:31:10**
